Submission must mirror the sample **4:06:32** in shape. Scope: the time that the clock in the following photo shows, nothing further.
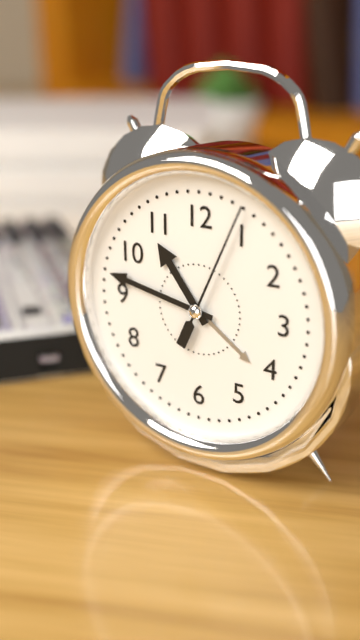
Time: **10:47:04**
